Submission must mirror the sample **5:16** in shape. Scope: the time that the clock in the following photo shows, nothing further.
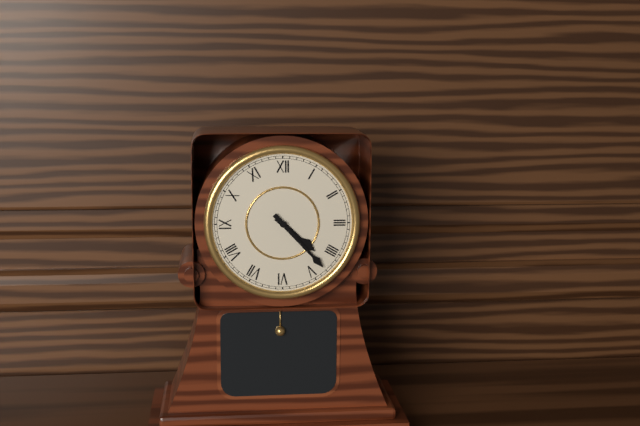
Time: **4:23**
